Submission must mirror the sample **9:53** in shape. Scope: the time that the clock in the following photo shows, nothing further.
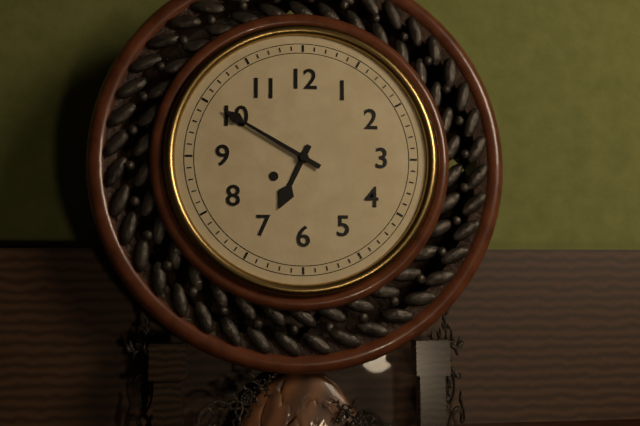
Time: **6:50**
